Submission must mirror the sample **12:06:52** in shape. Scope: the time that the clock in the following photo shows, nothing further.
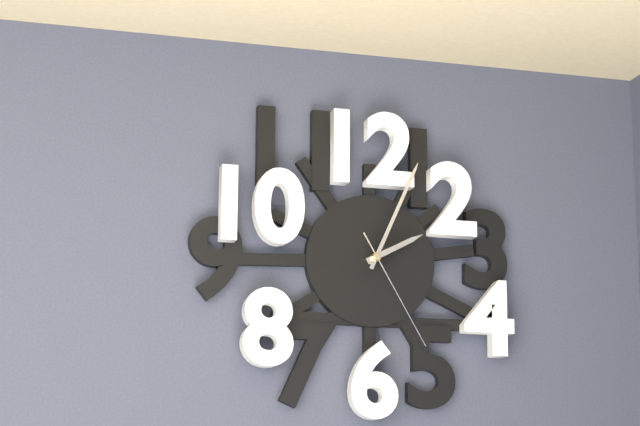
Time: **2:04:25**
